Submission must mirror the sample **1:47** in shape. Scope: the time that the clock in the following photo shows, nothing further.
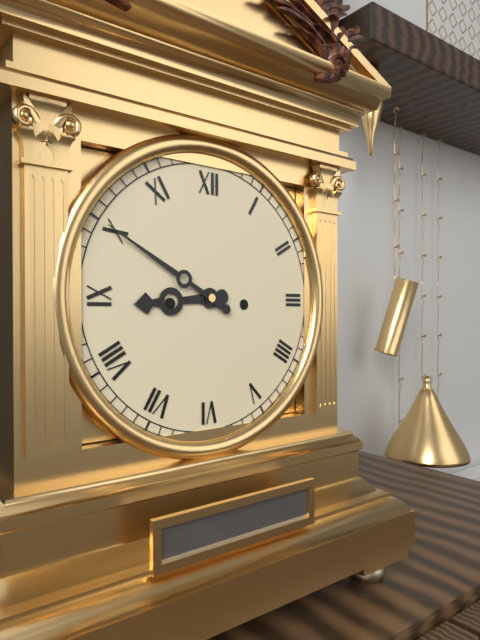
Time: **8:50**
